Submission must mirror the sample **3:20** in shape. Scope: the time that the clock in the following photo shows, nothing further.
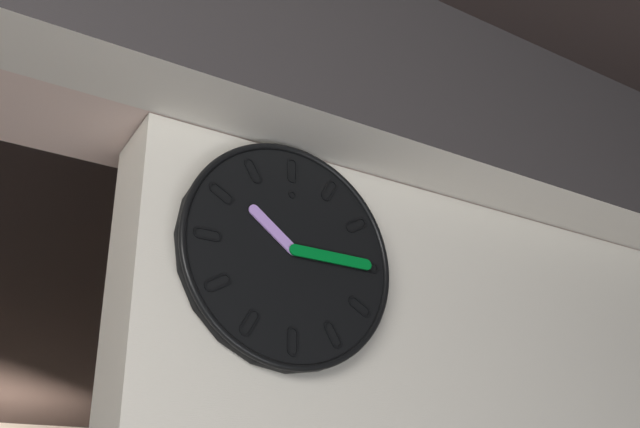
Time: **10:15**
